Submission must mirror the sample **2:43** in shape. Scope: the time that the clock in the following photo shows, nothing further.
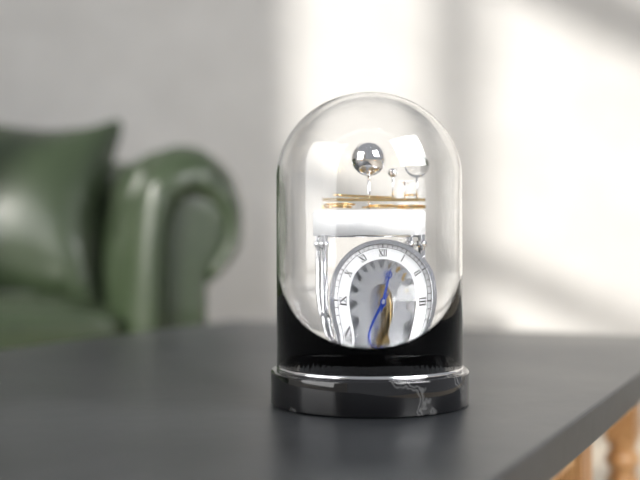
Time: **12:37**
